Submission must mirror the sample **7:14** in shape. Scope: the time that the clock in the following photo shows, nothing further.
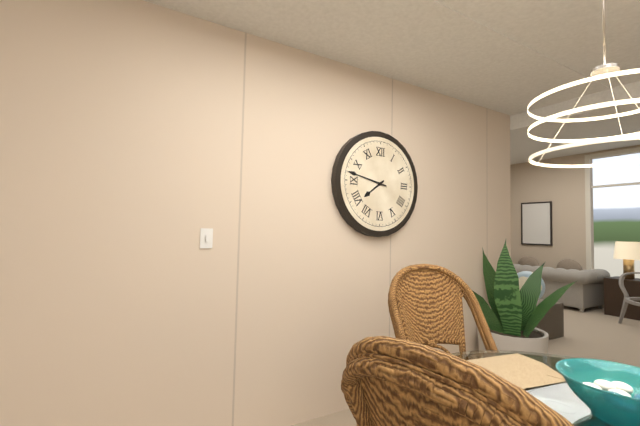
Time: **7:47**
